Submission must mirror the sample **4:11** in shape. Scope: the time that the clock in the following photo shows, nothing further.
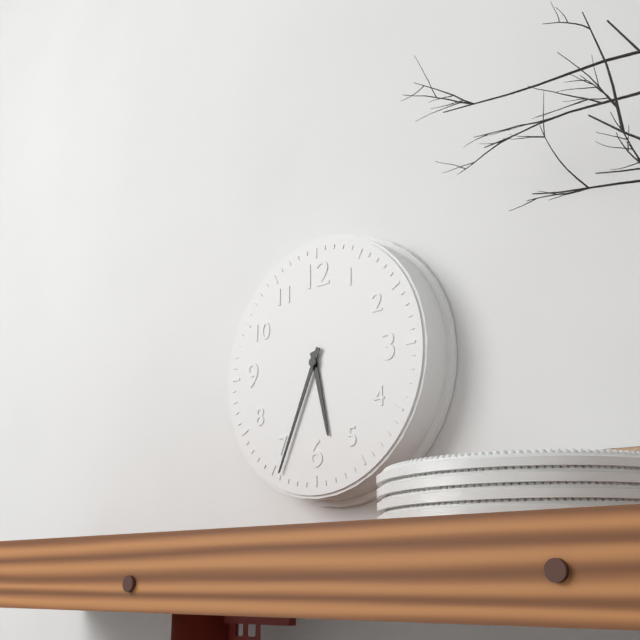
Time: **5:34**
